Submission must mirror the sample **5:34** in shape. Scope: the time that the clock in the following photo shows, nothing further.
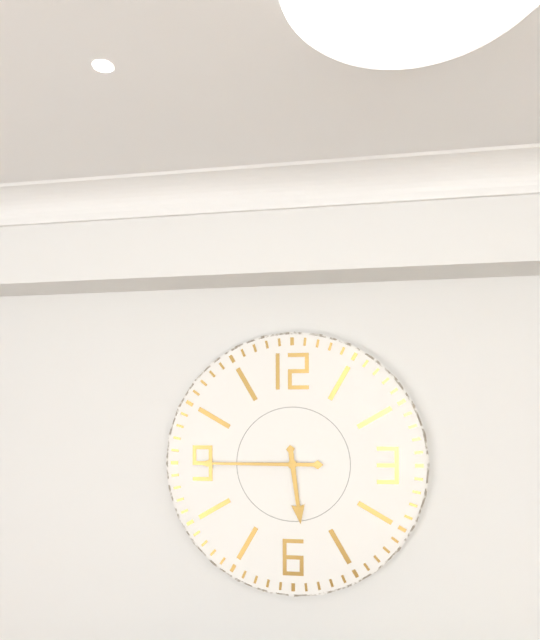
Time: **5:45**
